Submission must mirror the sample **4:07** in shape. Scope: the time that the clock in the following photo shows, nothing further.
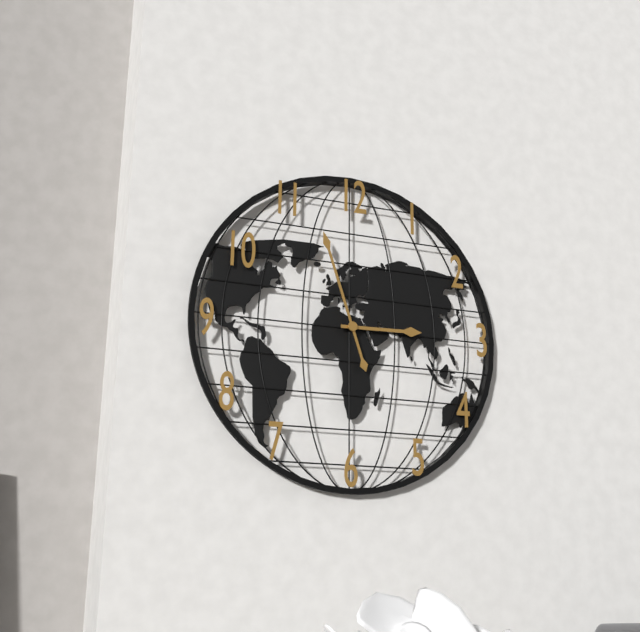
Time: **2:57**
